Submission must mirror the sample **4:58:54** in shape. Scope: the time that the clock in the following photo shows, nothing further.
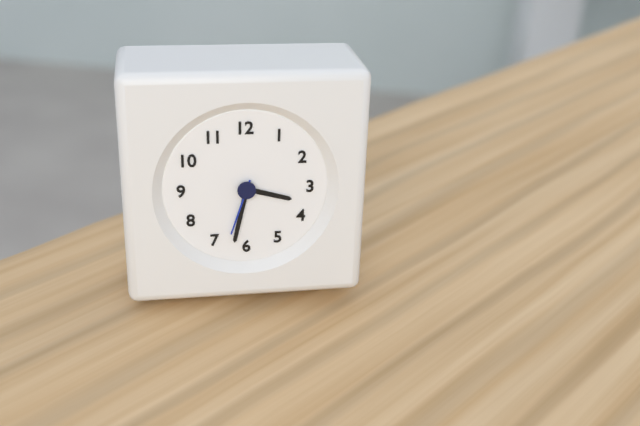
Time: **3:32:33**
